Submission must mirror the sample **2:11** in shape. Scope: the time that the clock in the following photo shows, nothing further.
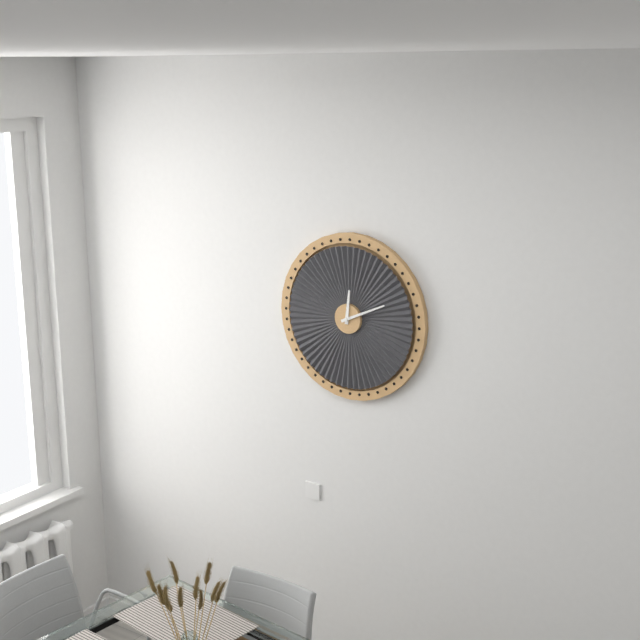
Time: **12:11**
